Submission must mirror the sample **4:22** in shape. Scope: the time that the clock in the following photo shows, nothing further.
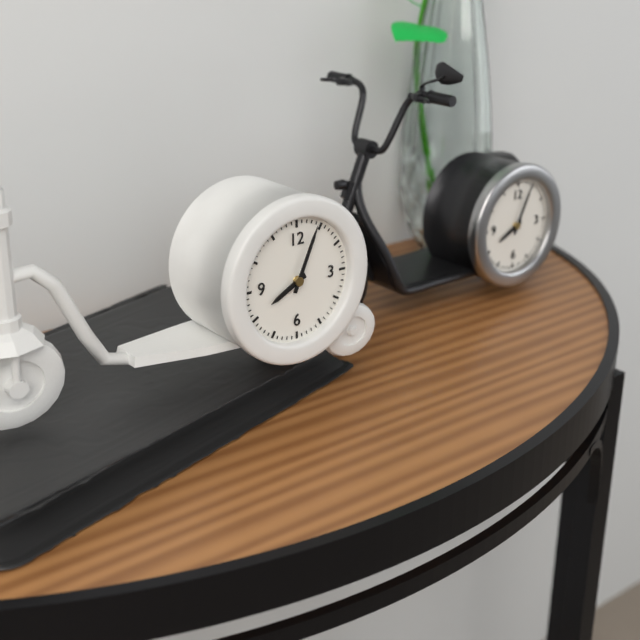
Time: **8:04**
